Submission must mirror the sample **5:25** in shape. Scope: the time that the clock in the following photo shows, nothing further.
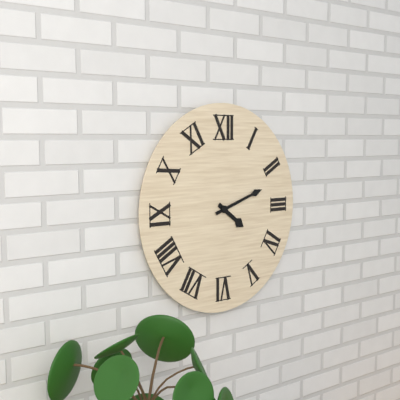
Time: **4:12**
